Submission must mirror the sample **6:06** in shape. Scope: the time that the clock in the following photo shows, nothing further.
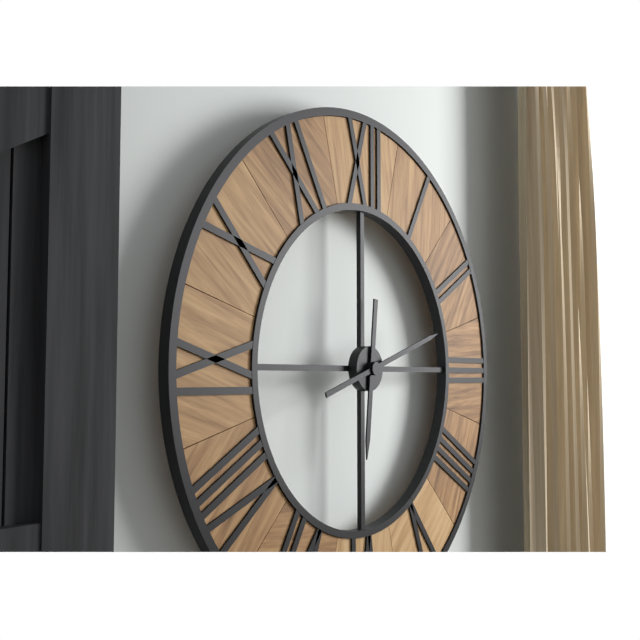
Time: **6:12**
